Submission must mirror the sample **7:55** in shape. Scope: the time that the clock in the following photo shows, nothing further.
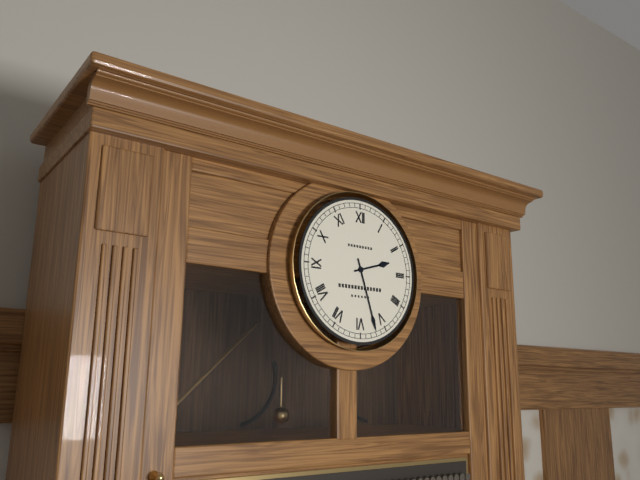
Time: **2:27**
